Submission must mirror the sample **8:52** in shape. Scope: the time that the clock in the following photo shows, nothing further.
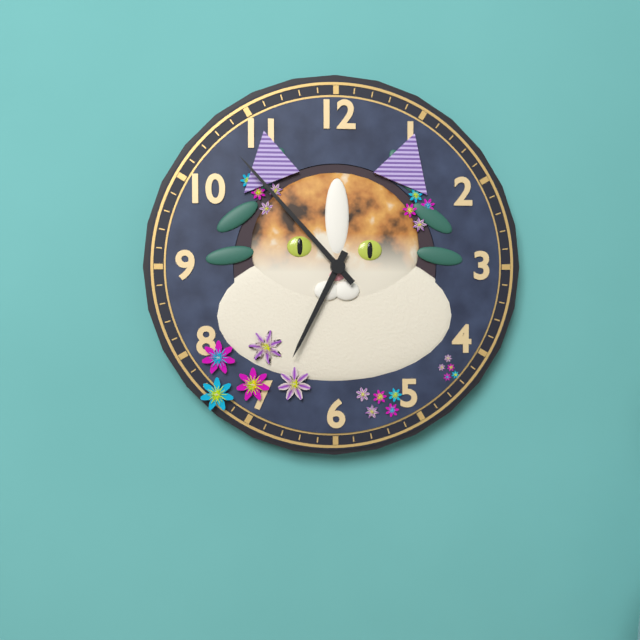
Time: **6:53**
